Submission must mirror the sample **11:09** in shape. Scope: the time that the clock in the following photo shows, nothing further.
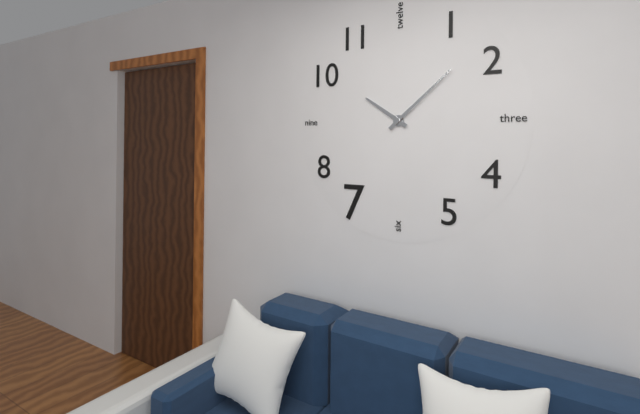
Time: **10:08**
